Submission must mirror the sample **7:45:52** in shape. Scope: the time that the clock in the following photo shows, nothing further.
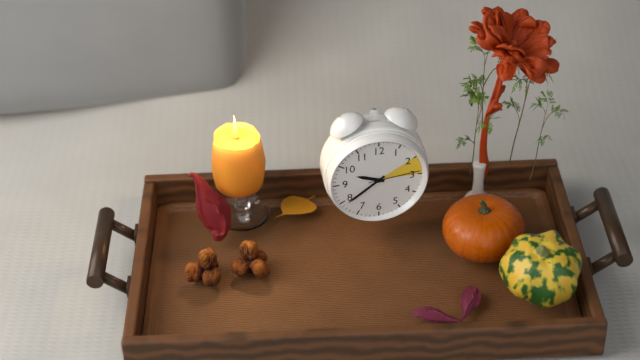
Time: **9:39:14**
